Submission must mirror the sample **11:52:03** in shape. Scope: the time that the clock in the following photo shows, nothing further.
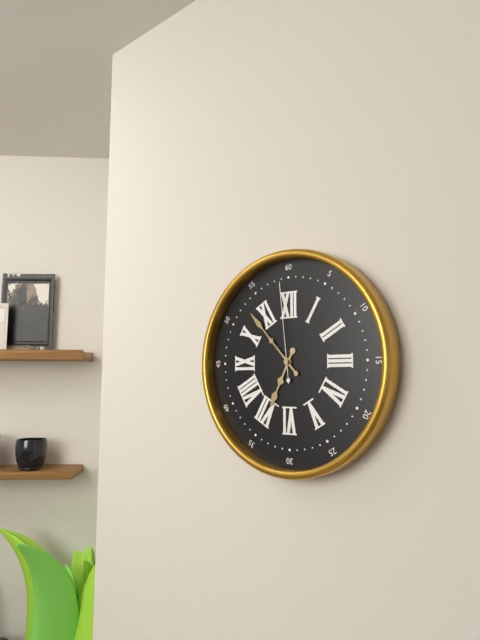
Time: **6:53:59**
